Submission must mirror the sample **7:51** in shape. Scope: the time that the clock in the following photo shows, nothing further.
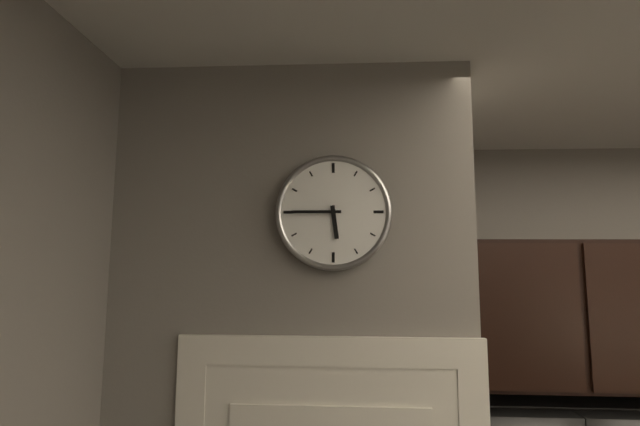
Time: **5:45**
